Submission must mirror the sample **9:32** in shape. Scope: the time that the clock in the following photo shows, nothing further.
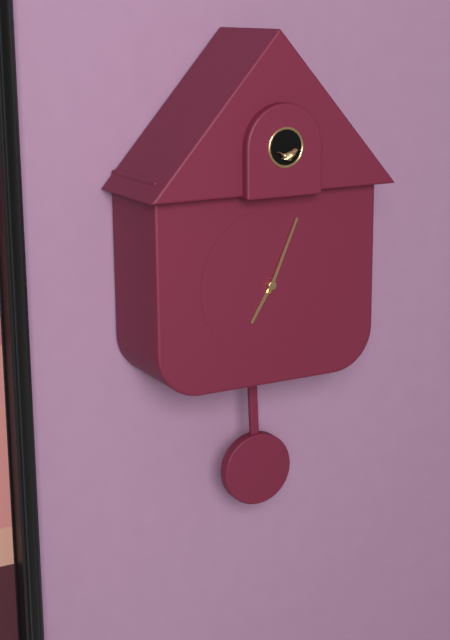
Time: **7:04**
